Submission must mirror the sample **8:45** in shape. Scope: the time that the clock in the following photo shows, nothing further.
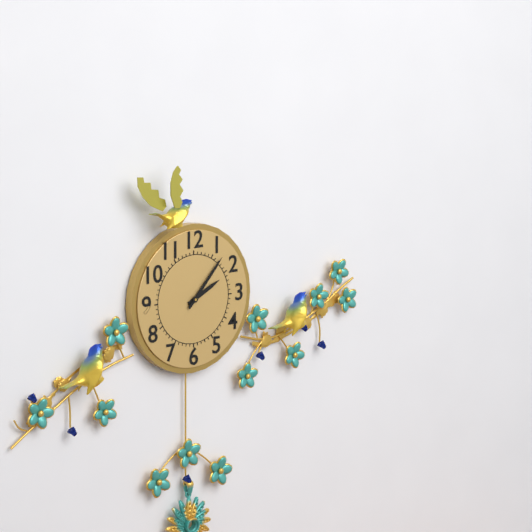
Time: **2:07**
